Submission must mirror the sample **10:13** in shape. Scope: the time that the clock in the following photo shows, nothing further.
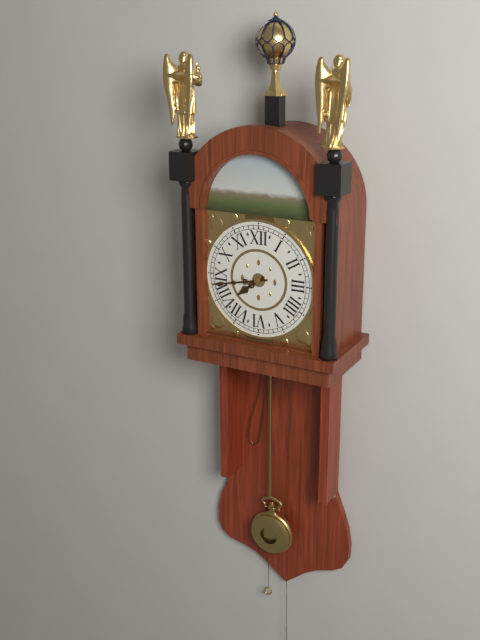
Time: **7:43**
